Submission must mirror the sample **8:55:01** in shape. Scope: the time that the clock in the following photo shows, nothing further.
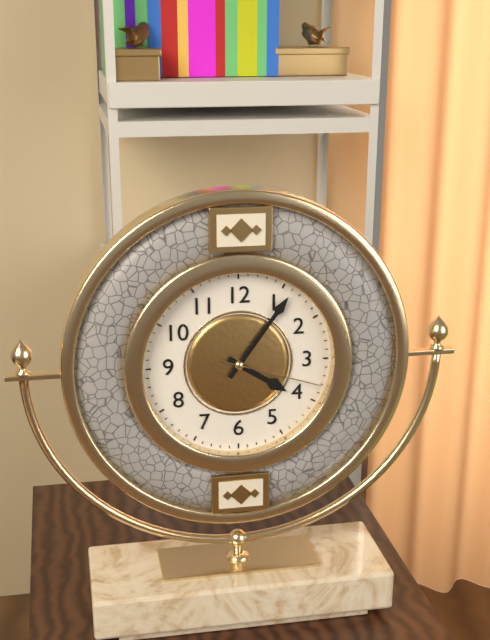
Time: **4:06:18**
